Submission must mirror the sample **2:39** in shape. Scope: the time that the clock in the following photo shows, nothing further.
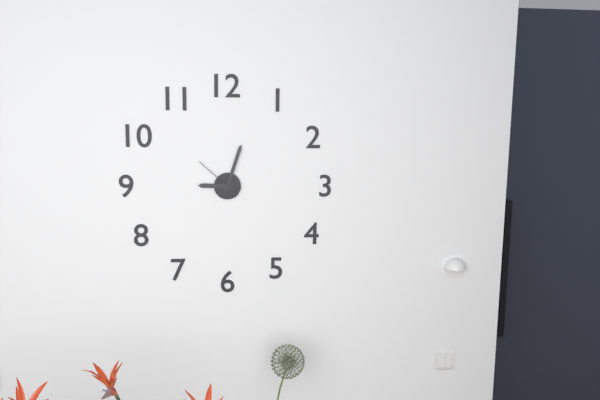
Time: **9:03**
